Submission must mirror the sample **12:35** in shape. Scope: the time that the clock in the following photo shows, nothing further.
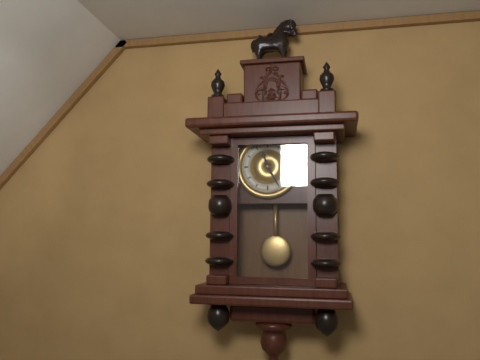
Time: **11:25**
